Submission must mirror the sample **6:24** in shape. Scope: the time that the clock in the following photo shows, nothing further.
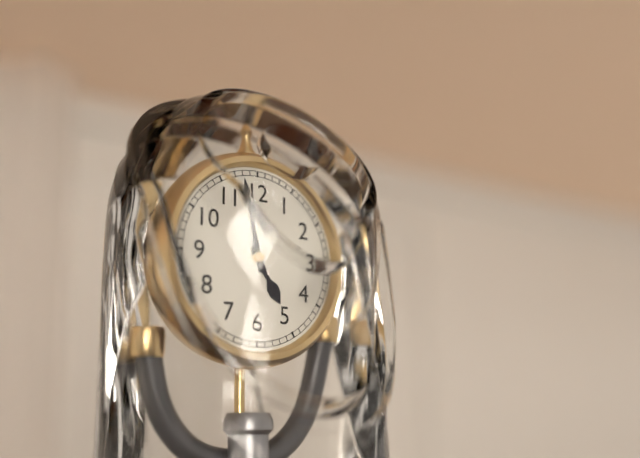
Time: **4:58**
